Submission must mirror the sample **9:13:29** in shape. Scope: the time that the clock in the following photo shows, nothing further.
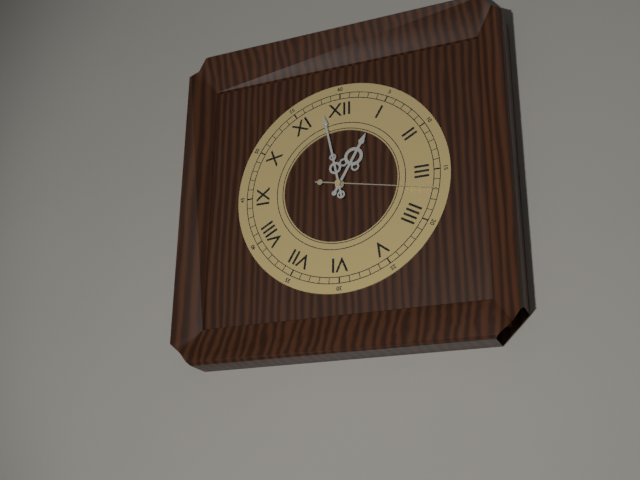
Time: **12:58:17**
